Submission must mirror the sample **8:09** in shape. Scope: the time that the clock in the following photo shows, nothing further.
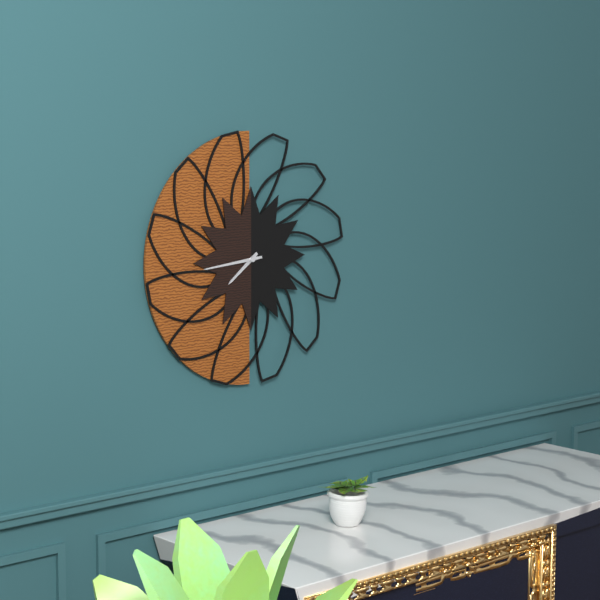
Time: **7:44**
